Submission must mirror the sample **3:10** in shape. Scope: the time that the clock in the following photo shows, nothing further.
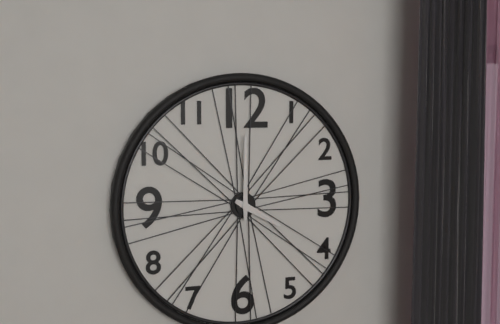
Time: **4:00**
